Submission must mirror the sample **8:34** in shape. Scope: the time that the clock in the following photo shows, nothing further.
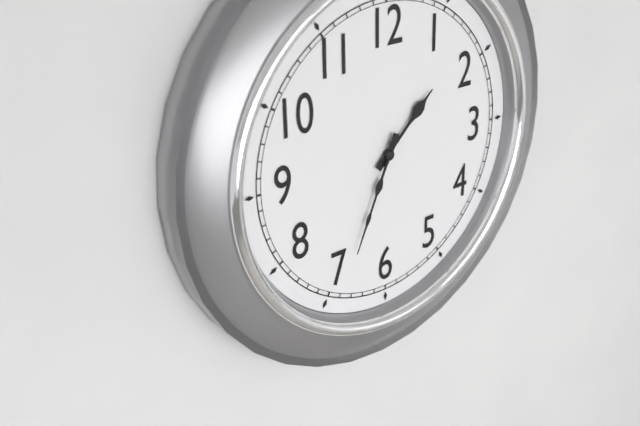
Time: **1:34**
